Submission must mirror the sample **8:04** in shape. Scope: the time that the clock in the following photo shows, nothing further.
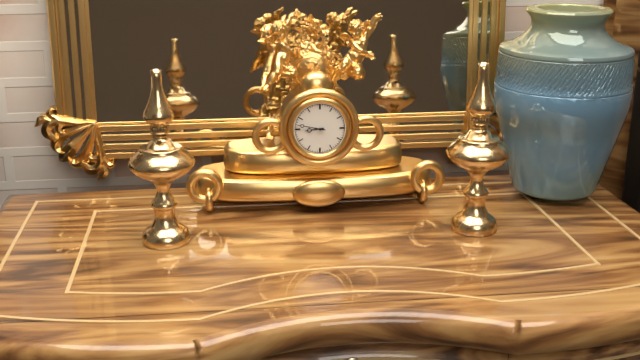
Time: **8:47**
